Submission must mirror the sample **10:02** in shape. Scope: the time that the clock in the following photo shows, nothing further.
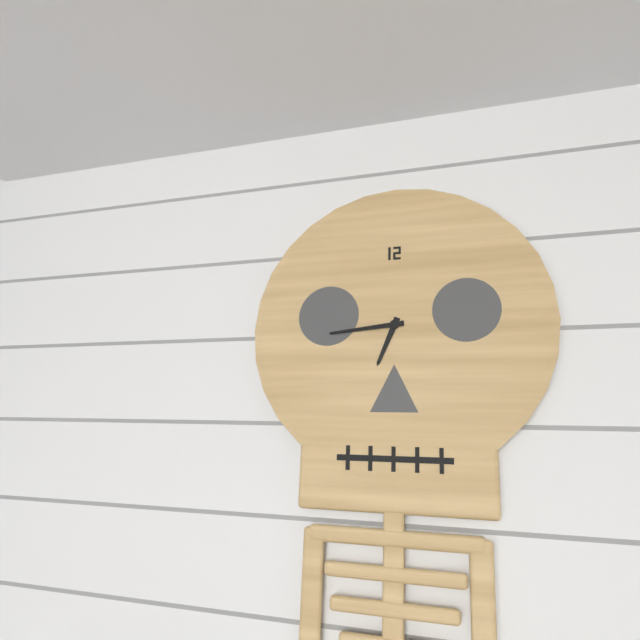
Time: **6:44**
